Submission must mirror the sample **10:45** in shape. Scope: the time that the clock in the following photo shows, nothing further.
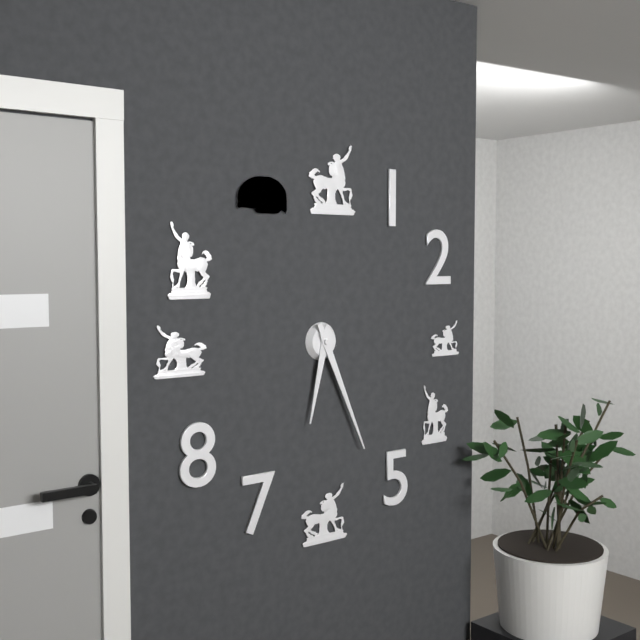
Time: **6:26**
